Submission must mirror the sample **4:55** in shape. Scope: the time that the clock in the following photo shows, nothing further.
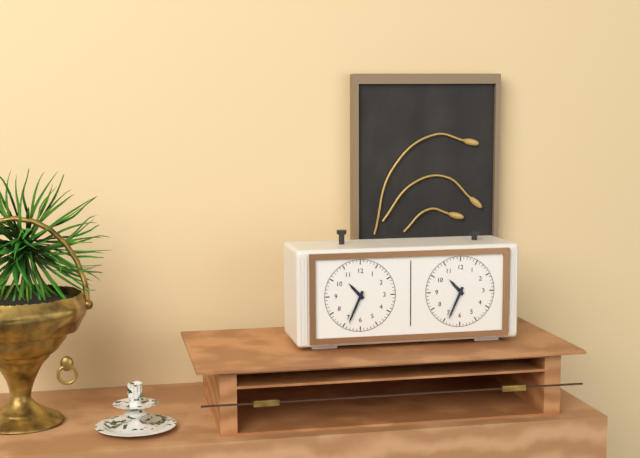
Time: **10:34**
